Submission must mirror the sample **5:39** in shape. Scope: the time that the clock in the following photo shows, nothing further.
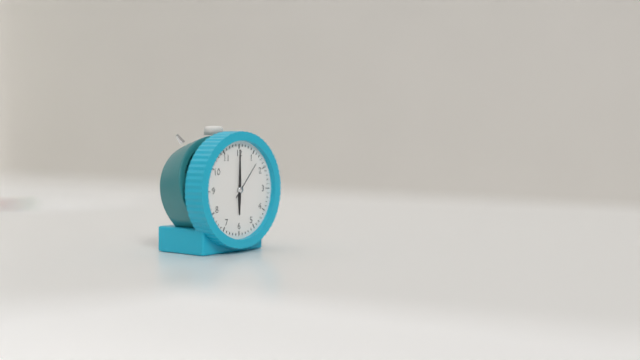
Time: **6:00**
